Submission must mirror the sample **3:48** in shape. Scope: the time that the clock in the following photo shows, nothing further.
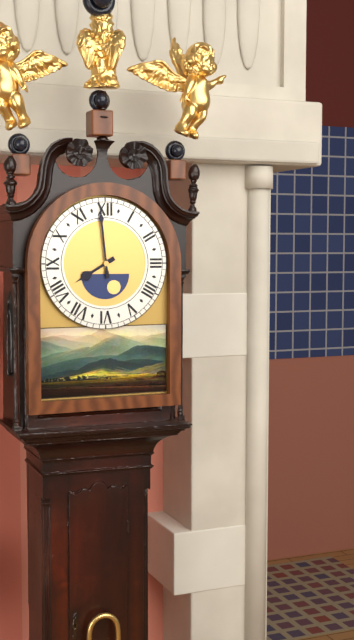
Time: **7:59**
